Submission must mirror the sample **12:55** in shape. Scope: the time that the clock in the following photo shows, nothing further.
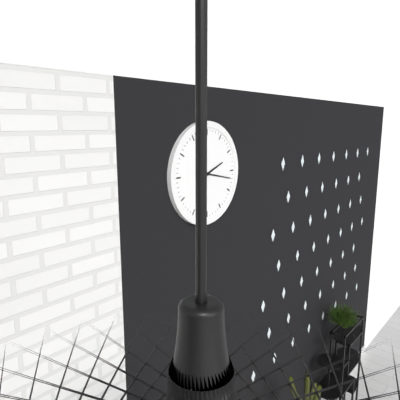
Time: **2:17**
